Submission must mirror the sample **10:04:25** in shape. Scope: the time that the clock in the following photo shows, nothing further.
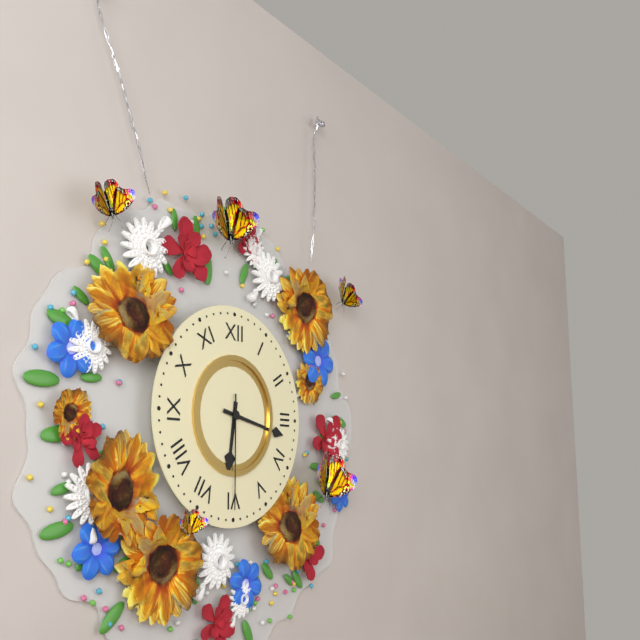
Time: **6:17:30**
